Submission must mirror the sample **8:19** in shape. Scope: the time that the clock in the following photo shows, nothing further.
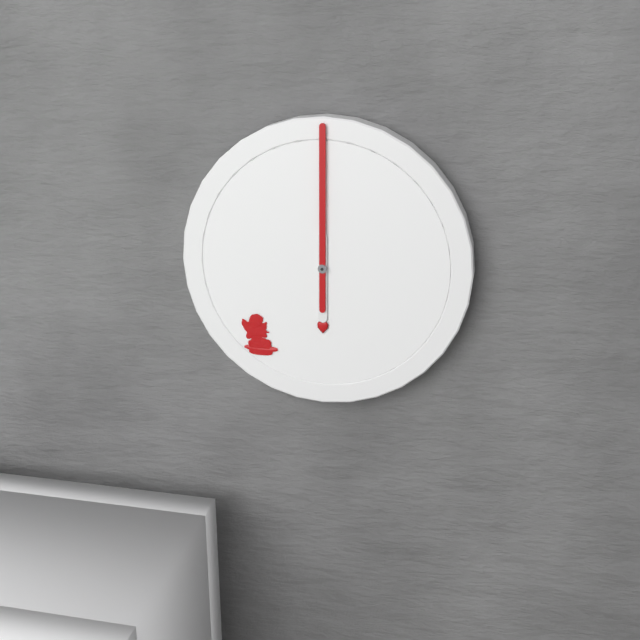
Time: **6:00**
